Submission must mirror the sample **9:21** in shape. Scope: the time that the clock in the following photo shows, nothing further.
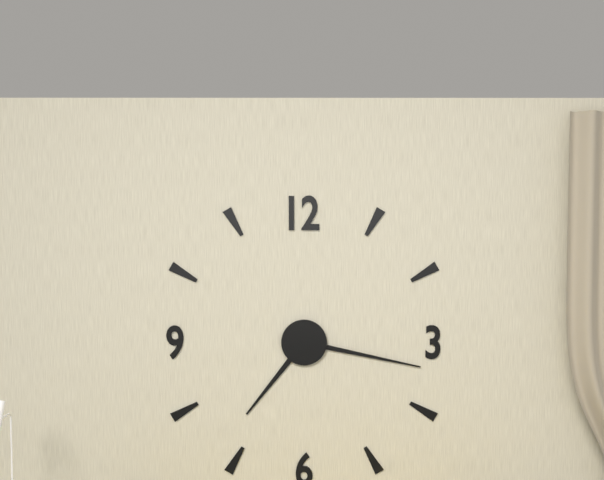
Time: **7:17**
